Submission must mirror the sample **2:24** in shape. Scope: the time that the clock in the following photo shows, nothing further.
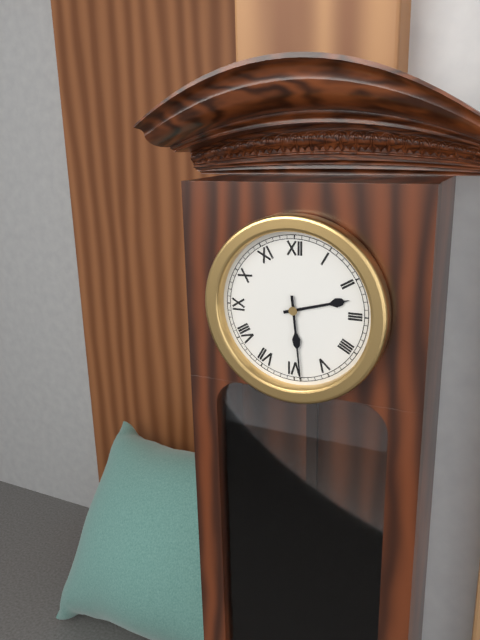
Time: **2:29**
